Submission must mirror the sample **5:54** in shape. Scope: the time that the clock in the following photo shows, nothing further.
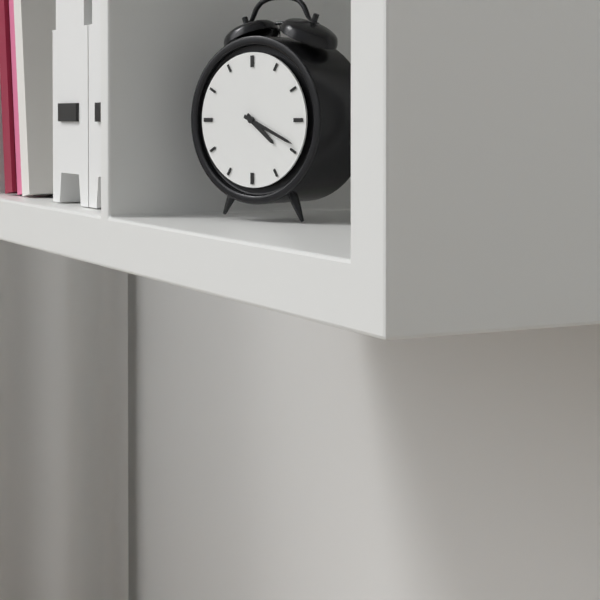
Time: **4:19**
